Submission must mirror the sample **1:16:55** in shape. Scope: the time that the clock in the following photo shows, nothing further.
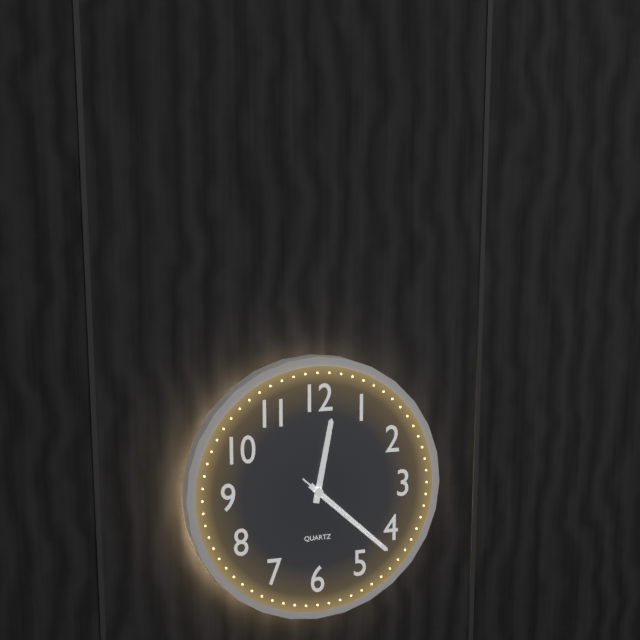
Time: **12:22:22**
